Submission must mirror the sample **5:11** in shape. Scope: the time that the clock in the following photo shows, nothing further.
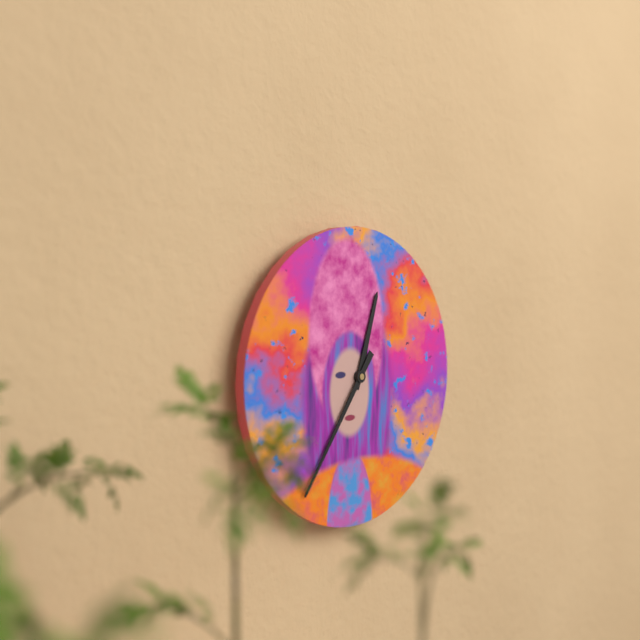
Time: **12:36**
